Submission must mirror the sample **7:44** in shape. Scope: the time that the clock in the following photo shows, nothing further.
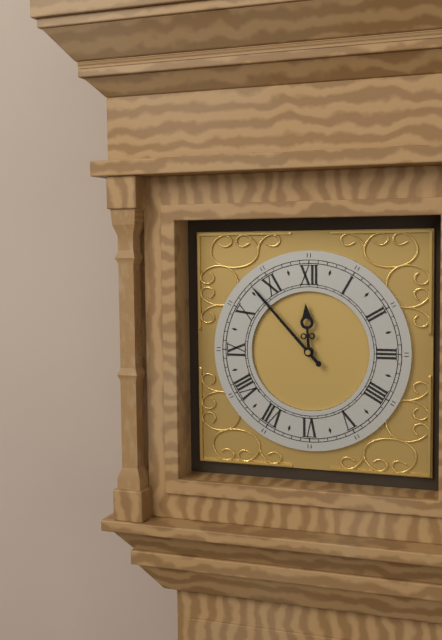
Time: **11:53**
